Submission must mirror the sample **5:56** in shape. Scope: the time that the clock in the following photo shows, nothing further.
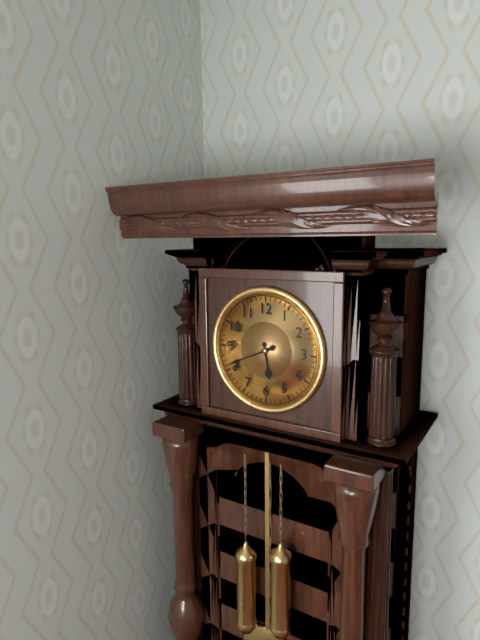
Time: **5:41**
